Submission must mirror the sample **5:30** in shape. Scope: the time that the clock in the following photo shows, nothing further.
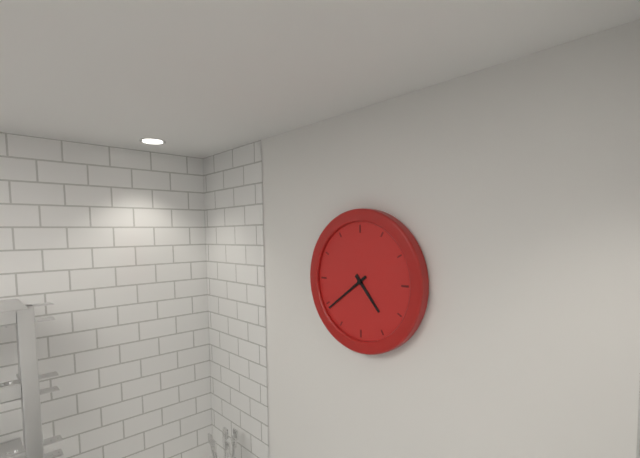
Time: **4:39**
